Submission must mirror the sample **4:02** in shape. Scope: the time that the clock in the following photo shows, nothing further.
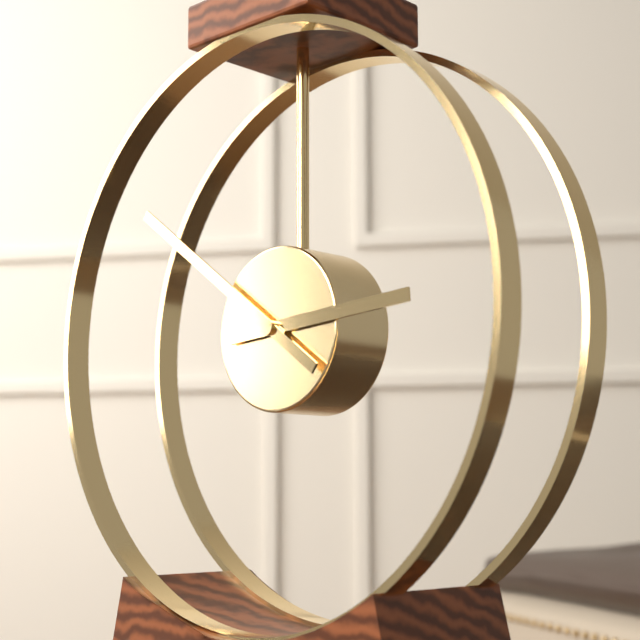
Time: **2:51**
